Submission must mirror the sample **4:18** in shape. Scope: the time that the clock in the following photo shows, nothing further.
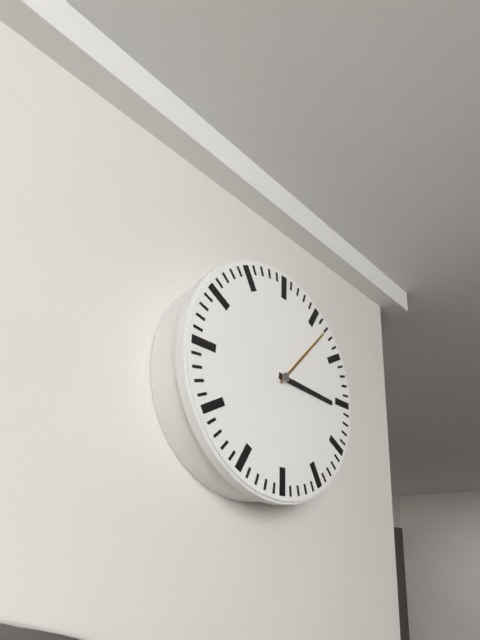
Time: **3:07**
